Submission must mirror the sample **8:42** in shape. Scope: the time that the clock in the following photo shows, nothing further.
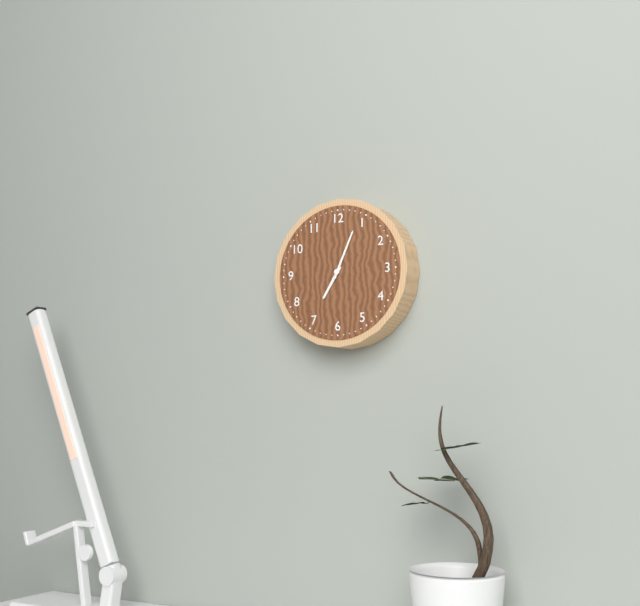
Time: **7:04**
